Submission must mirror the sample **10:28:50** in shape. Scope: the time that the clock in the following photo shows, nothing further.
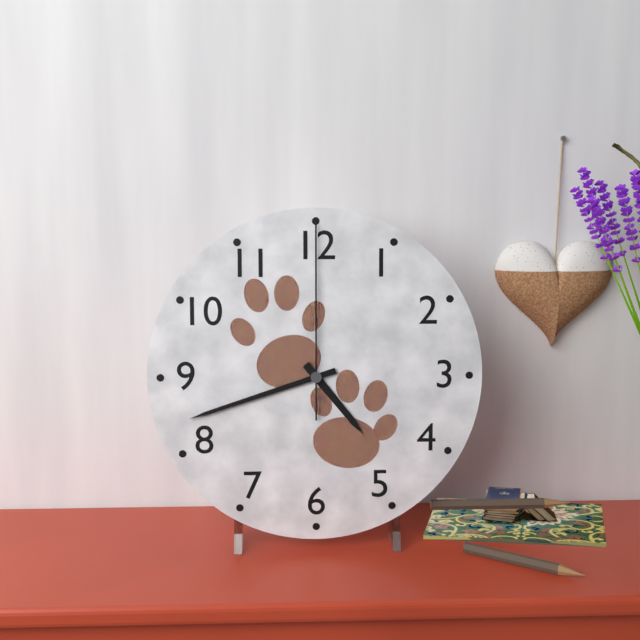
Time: **4:42:00**
